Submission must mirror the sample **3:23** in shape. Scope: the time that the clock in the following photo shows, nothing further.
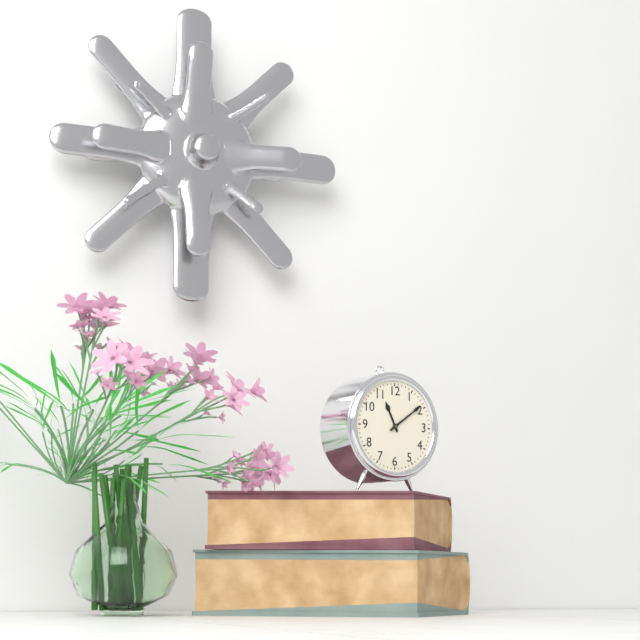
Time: **11:09**
